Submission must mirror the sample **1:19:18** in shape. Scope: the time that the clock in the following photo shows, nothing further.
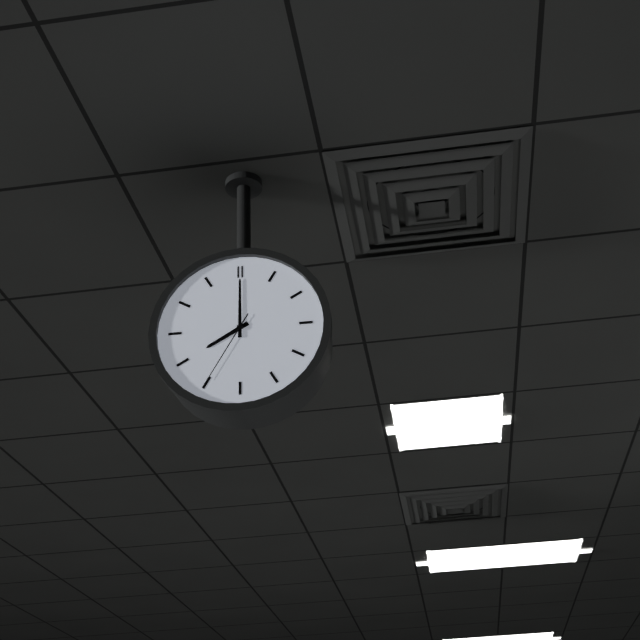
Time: **8:00:35**
